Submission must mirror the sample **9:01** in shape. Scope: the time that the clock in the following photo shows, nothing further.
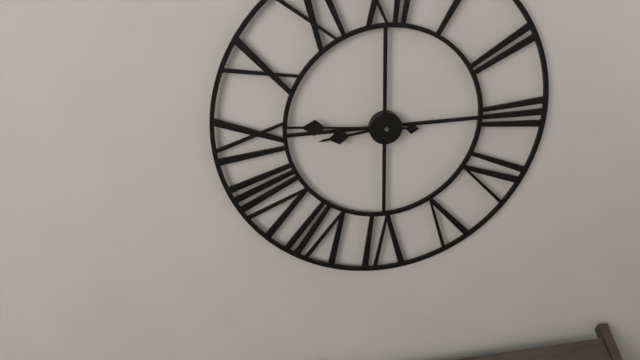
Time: **8:46**
